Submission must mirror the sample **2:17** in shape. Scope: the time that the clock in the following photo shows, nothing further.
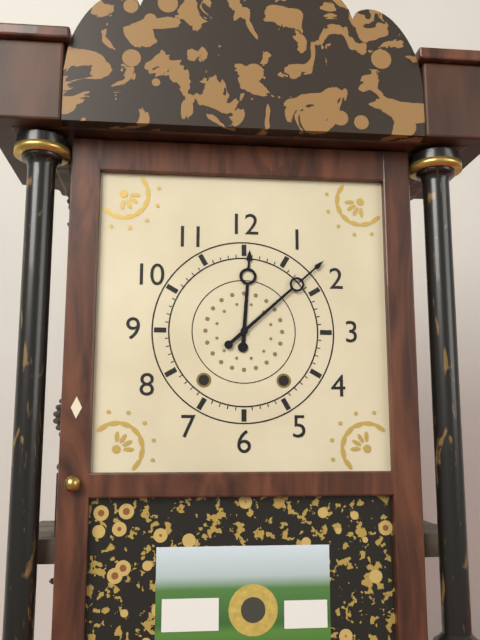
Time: **12:08**
